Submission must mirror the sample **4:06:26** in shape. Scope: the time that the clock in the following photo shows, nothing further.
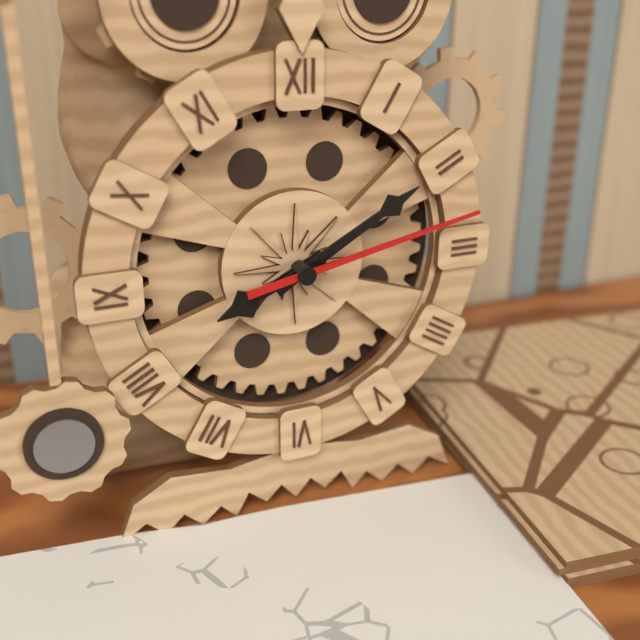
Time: **8:10:13**
